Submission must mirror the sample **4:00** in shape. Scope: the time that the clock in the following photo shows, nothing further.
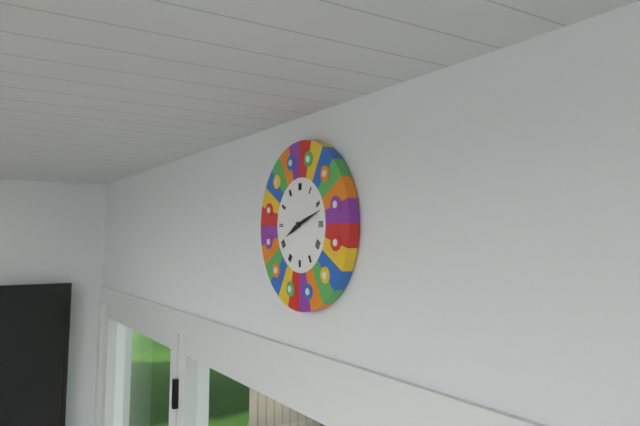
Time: **8:12**
